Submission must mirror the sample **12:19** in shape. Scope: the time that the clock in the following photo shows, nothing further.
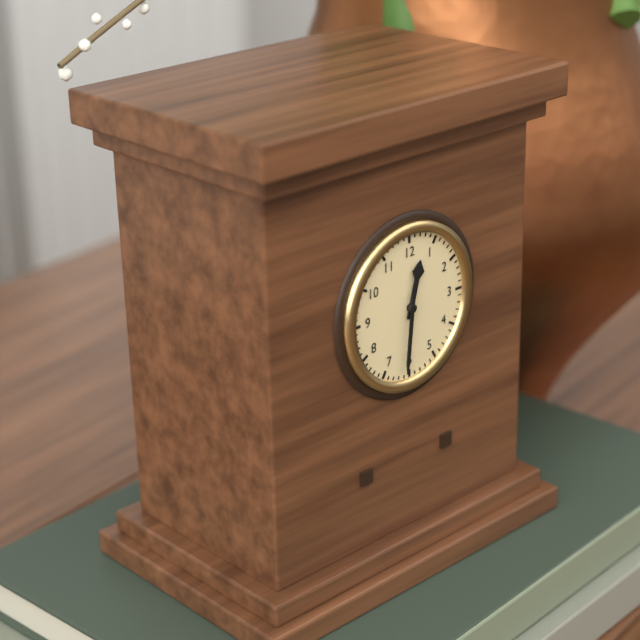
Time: **12:31**
